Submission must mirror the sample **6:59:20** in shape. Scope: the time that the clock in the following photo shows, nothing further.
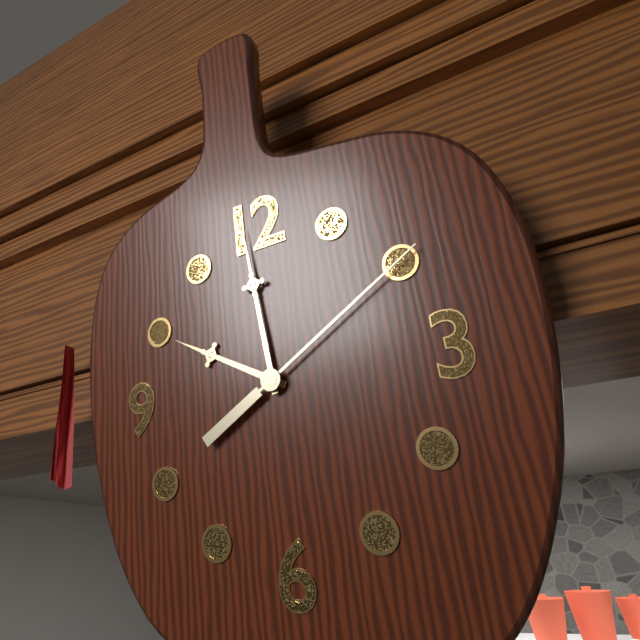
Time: **9:59:10**
